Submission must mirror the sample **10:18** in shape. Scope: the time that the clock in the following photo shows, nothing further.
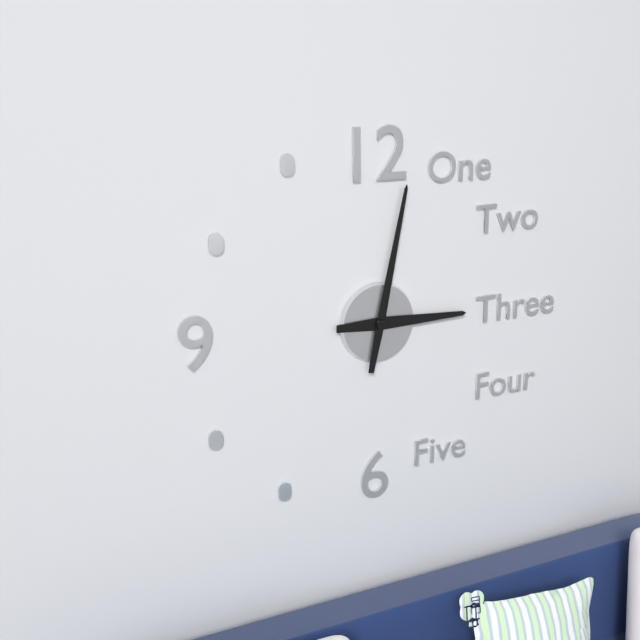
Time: **3:02**
